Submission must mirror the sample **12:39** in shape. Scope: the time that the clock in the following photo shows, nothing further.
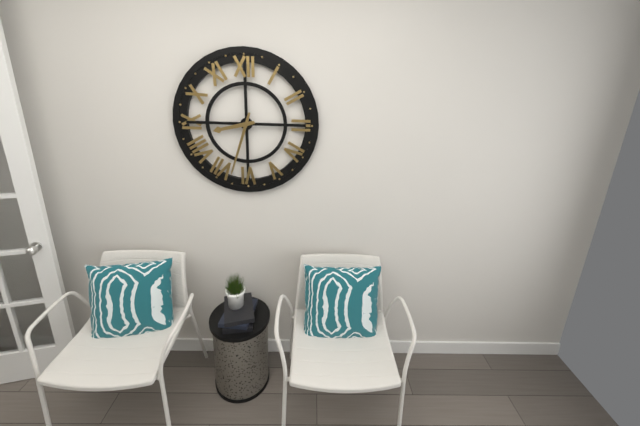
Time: **8:33**
